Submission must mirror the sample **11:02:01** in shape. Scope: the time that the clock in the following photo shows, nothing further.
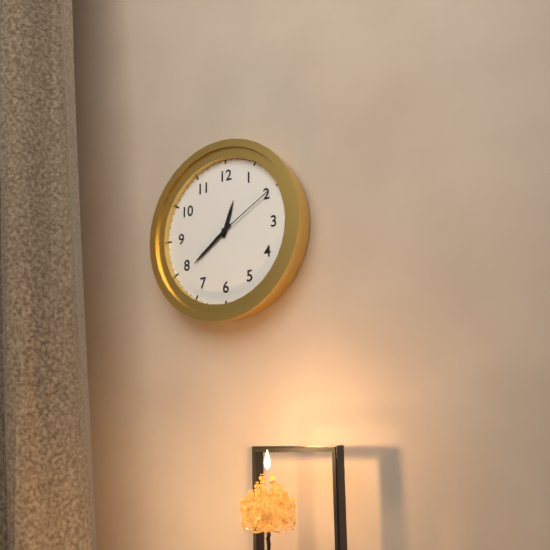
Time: **12:39:10**
